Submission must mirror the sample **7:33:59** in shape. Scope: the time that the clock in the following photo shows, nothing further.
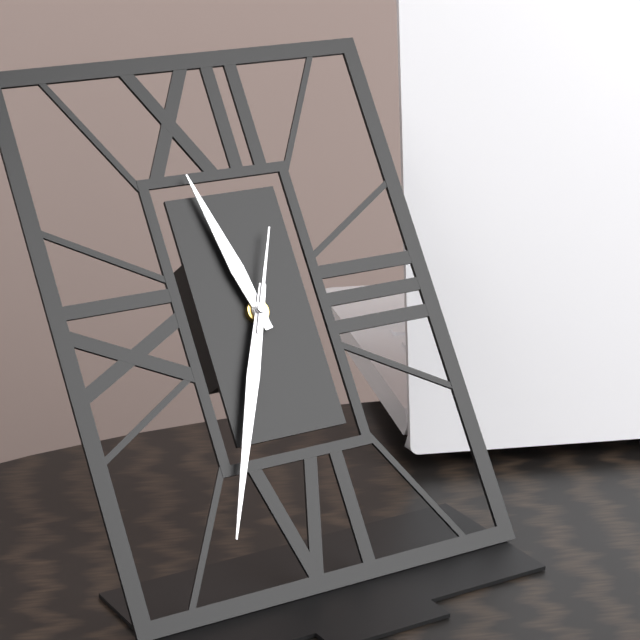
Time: **11:34:04**
